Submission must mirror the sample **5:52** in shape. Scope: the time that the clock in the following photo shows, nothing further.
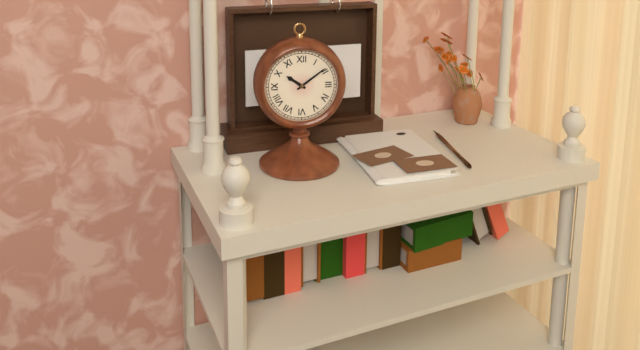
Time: **10:09**
